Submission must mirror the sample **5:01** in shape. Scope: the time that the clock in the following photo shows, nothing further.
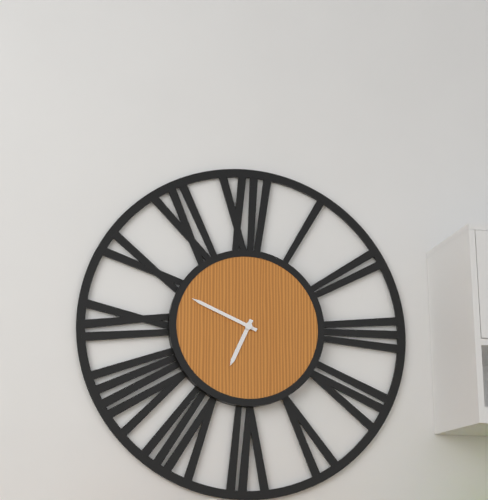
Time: **6:49**
